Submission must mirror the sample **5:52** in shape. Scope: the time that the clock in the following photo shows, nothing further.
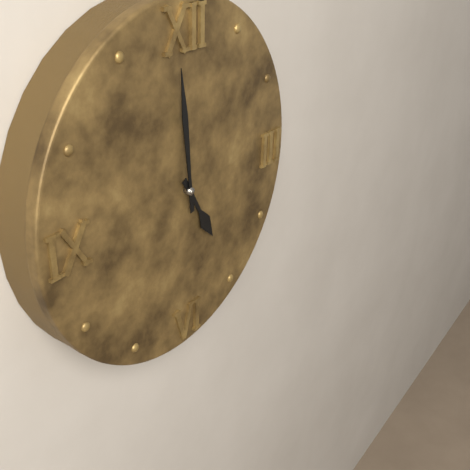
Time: **4:59**
